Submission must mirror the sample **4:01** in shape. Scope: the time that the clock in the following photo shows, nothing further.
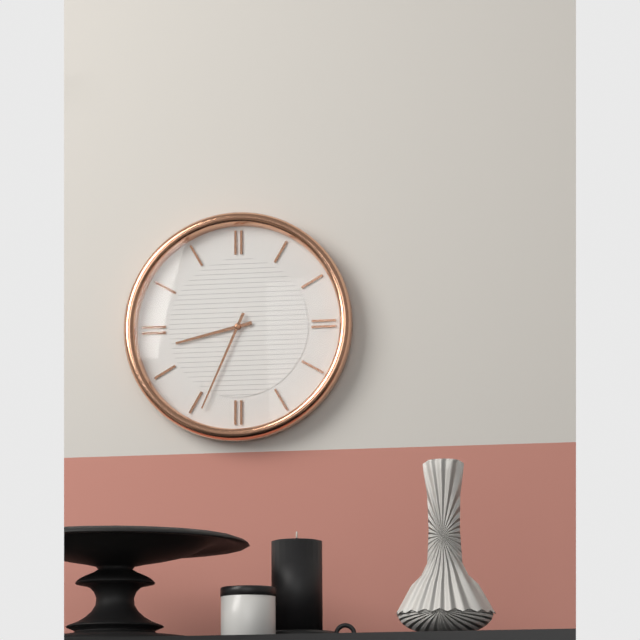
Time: **8:34**
